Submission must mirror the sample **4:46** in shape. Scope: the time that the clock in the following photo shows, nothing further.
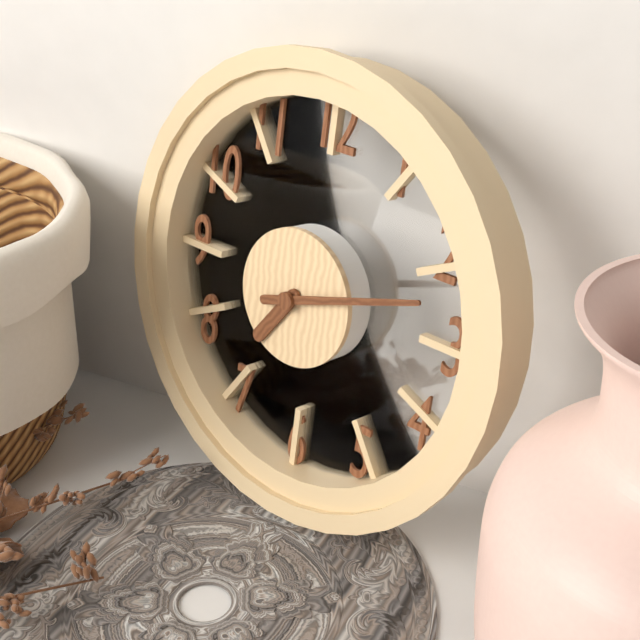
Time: **7:12**
